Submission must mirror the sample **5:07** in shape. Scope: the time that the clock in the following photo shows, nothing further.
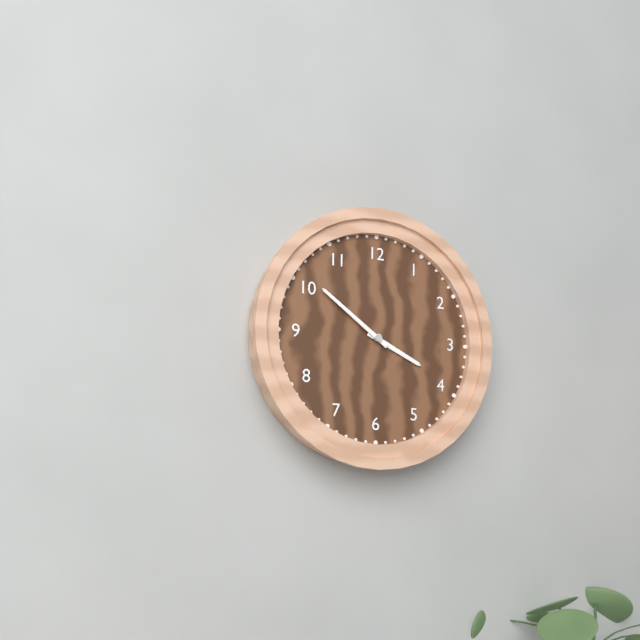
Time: **3:51**
